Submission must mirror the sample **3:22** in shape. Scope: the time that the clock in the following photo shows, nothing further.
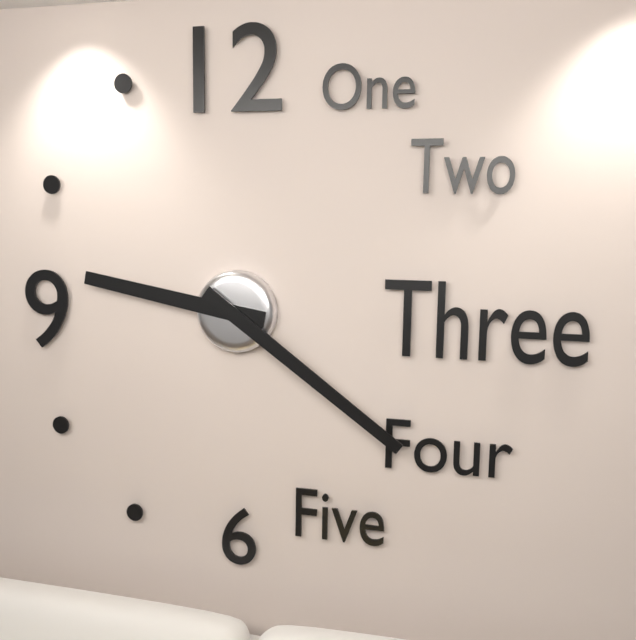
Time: **9:21**
